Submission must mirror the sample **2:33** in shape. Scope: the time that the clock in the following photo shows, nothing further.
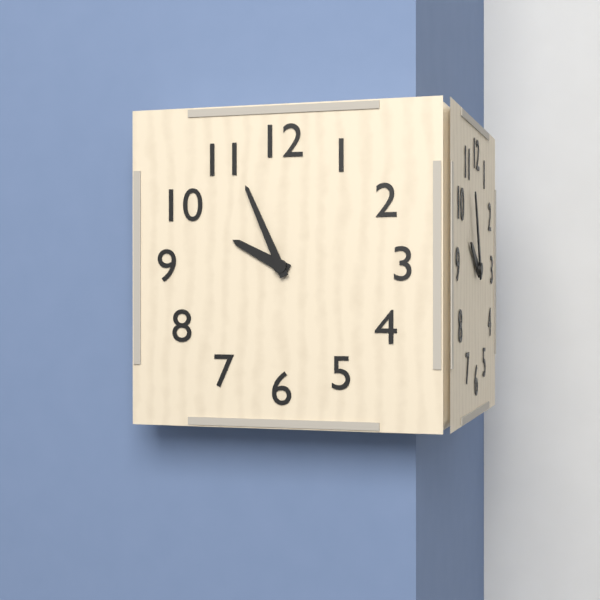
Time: **9:56**
